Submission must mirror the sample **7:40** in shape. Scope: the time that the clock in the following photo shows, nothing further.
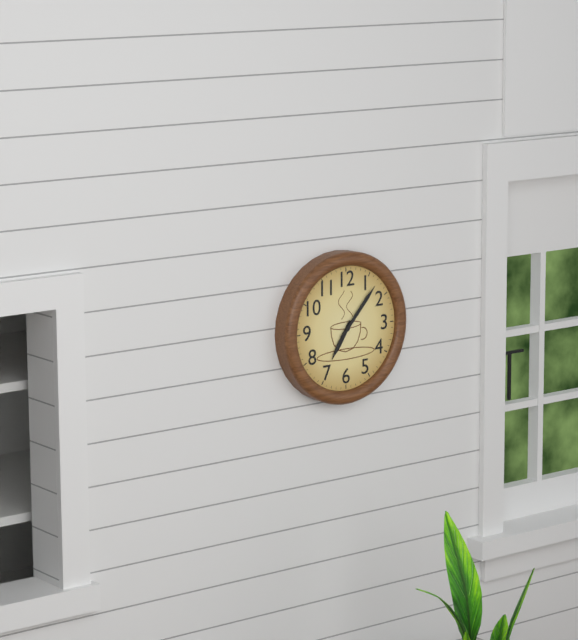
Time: **7:07**
